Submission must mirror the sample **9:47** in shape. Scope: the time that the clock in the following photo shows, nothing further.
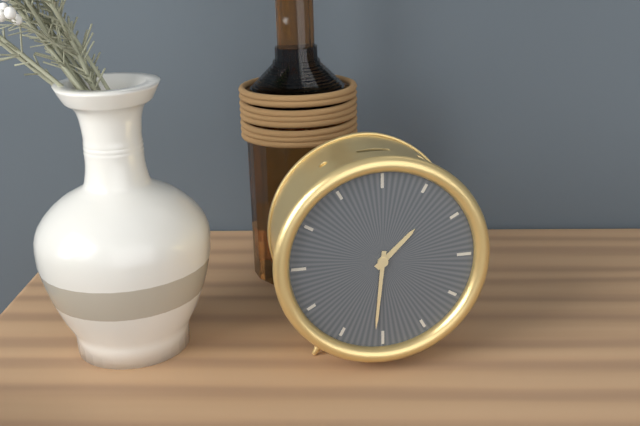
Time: **1:31**
